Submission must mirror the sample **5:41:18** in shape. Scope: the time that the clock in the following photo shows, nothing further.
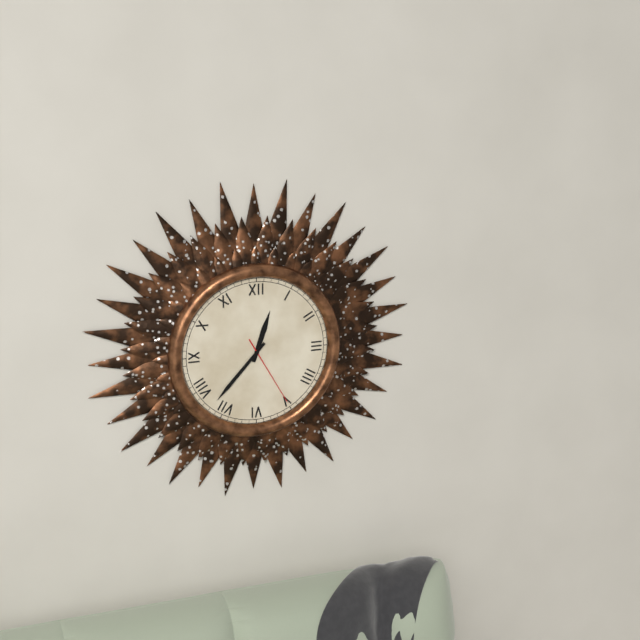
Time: **12:37:25**
